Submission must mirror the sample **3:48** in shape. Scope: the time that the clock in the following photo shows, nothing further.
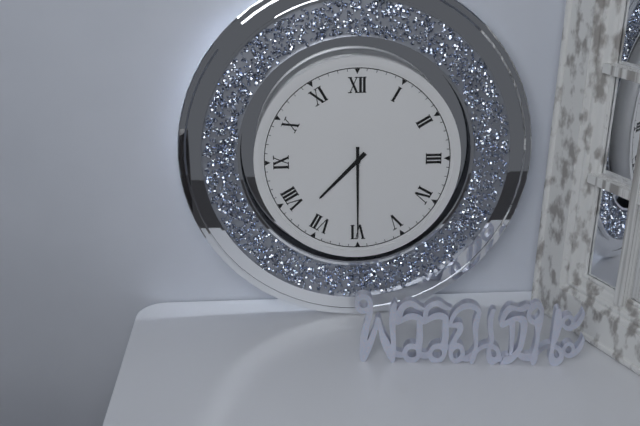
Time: **7:30**
